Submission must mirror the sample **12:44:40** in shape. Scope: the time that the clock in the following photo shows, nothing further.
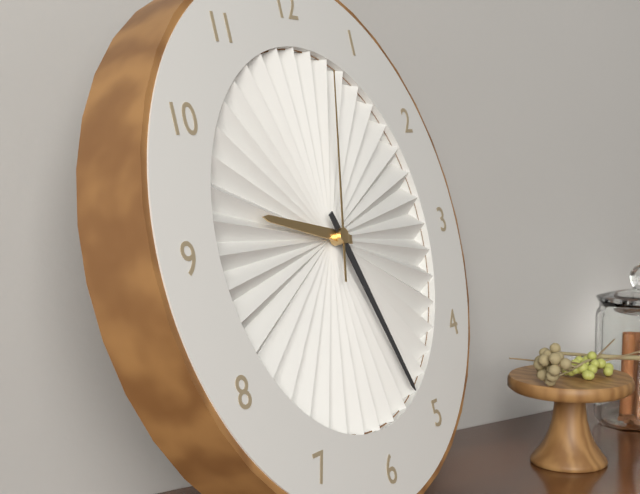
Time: **9:26:03**
